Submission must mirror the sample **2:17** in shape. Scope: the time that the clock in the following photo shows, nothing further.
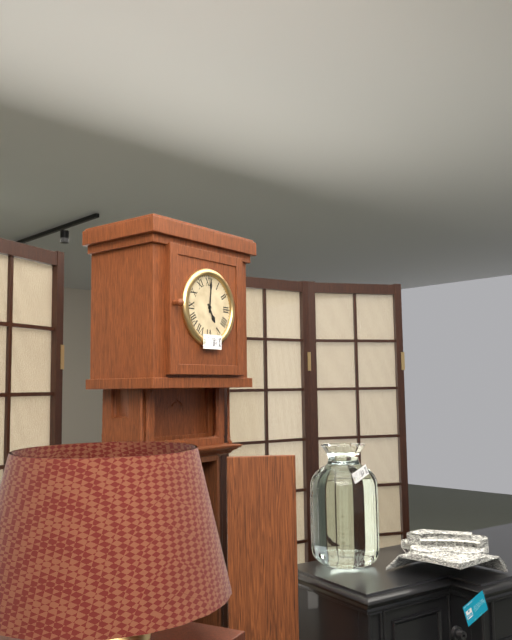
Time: **5:01**
